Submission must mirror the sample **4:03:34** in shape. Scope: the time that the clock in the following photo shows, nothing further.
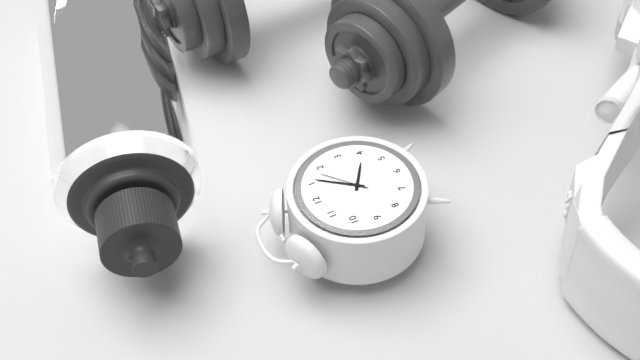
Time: **4:06:08**
